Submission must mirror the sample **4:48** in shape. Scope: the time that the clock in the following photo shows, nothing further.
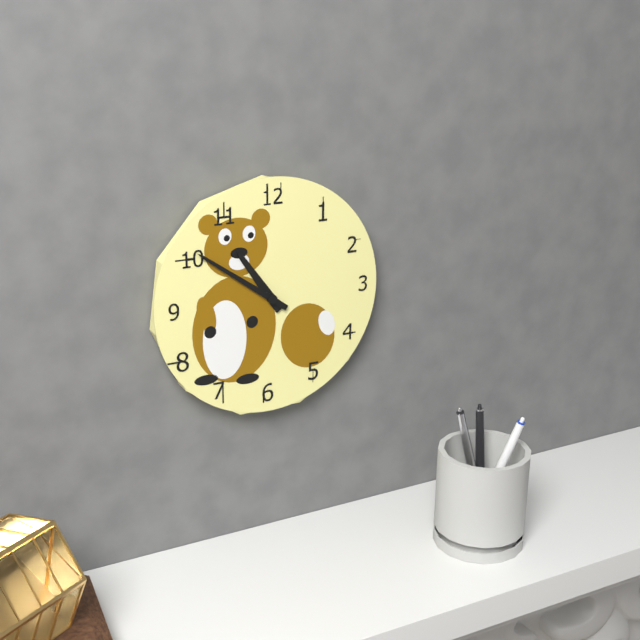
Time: **10:51**
